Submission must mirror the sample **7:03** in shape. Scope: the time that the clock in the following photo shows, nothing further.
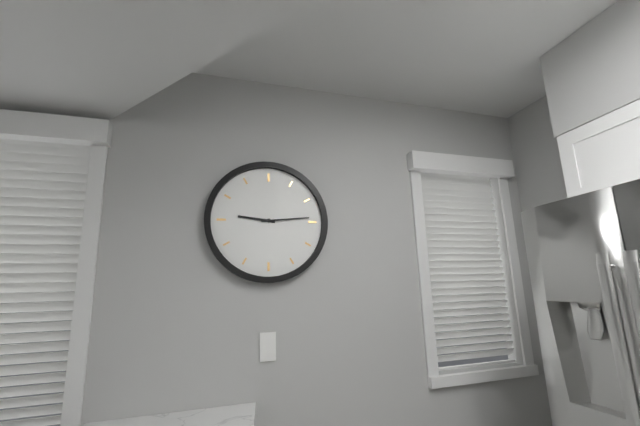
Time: **9:14**
